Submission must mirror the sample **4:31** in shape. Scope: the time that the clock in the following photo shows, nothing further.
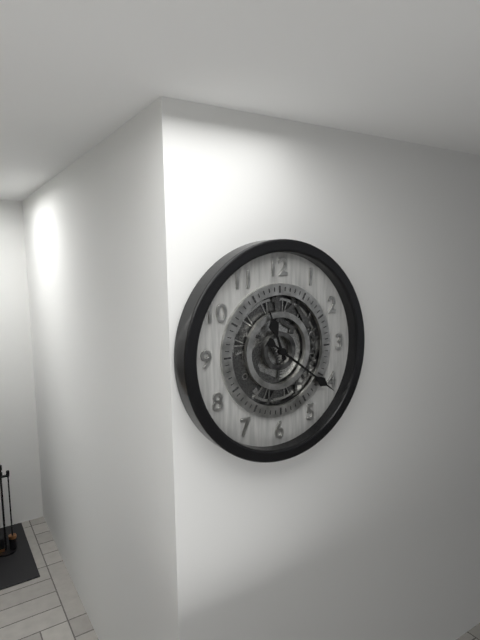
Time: **11:21**
